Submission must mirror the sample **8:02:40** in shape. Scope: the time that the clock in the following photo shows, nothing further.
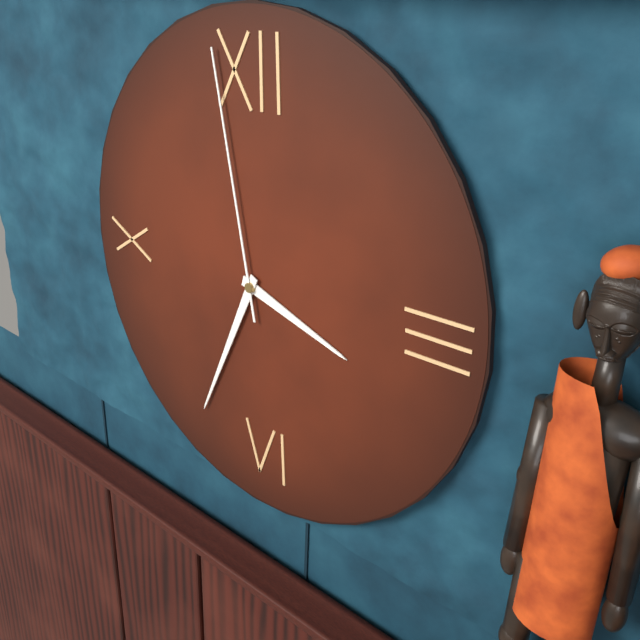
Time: **3:34:58**
